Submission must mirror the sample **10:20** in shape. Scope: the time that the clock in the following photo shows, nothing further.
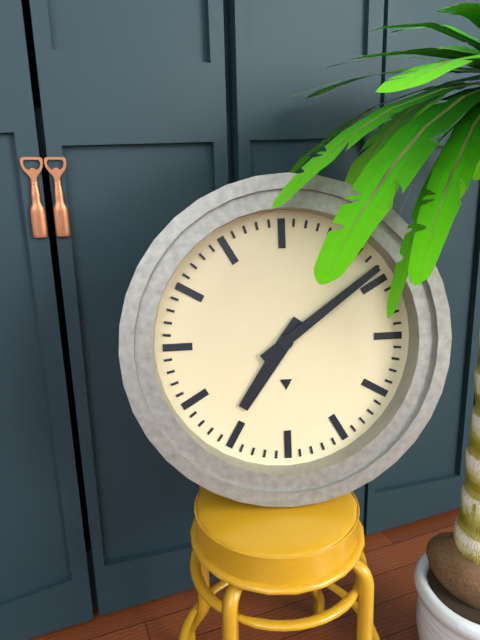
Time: **7:09**
